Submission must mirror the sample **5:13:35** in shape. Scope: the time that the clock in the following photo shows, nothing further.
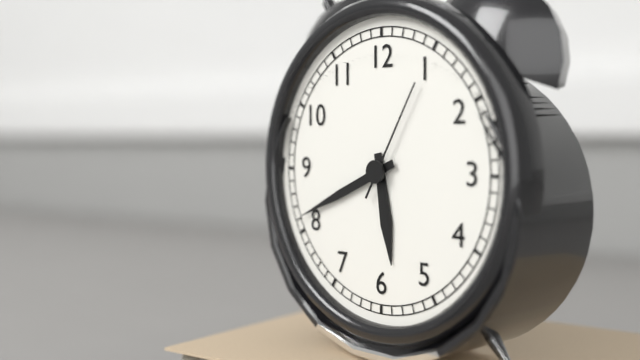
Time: **5:41:05**
